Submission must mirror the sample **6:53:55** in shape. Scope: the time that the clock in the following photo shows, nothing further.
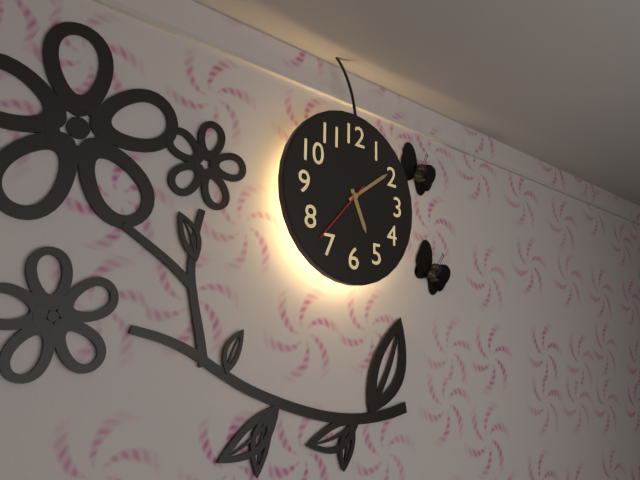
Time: **5:09:37**
